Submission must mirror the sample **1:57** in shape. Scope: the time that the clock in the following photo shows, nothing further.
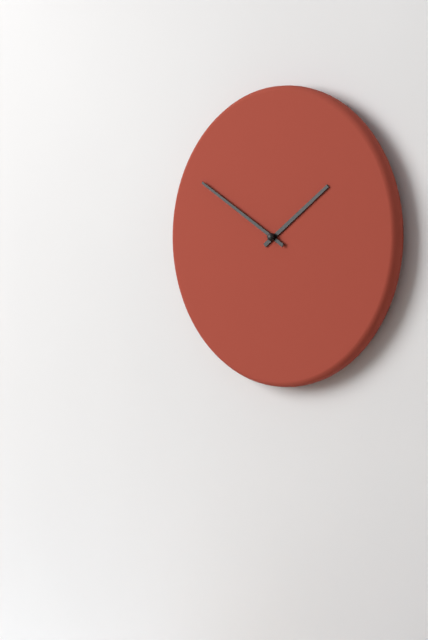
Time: **1:50**
